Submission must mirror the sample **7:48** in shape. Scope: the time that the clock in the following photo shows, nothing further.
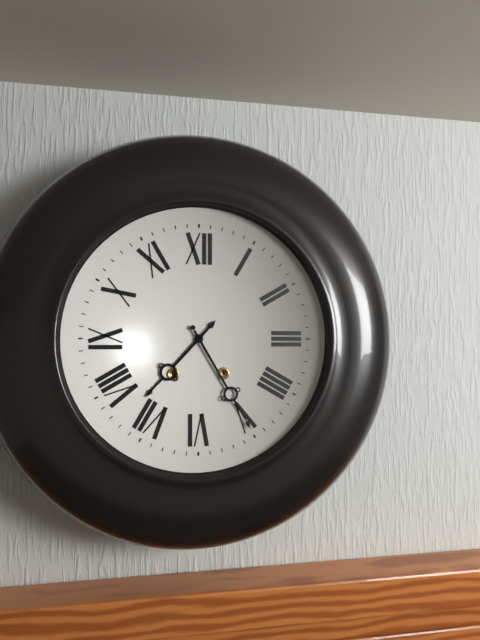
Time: **7:25**
